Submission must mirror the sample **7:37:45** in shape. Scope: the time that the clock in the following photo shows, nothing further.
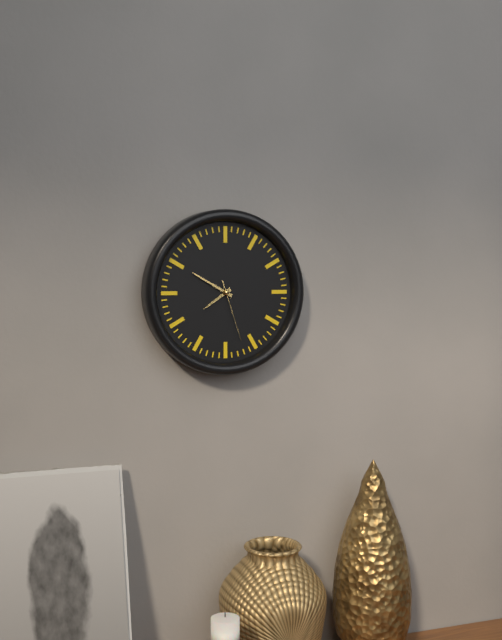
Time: **7:50:27**
